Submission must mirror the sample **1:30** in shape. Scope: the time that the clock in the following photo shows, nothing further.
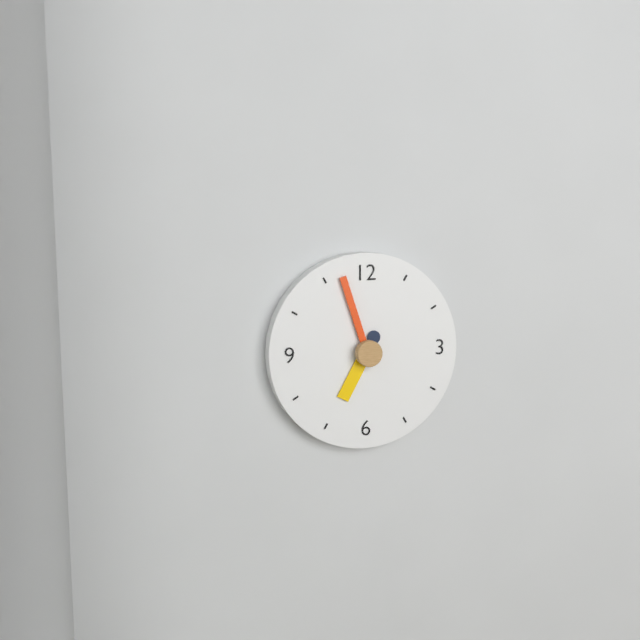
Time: **6:57**
